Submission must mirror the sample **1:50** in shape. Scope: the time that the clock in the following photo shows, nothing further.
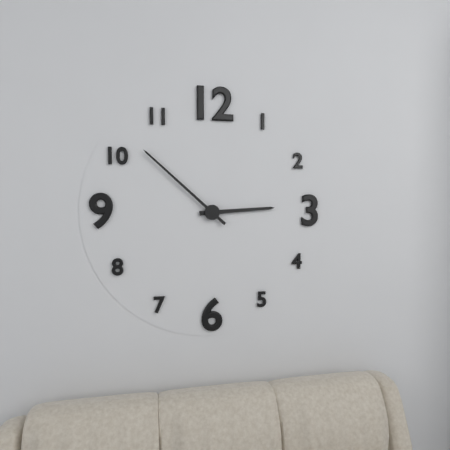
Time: **2:52**
